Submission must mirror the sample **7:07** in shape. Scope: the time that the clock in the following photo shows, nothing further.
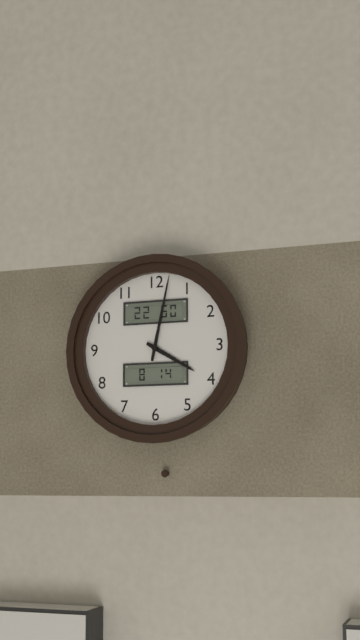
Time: **4:02**
